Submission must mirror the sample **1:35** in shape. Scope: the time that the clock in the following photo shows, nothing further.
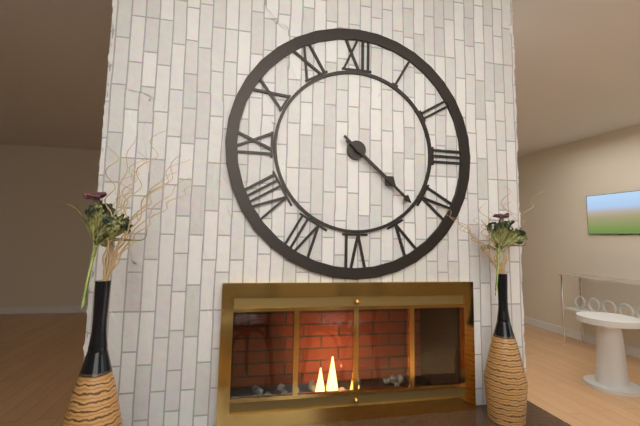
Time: **4:22**
